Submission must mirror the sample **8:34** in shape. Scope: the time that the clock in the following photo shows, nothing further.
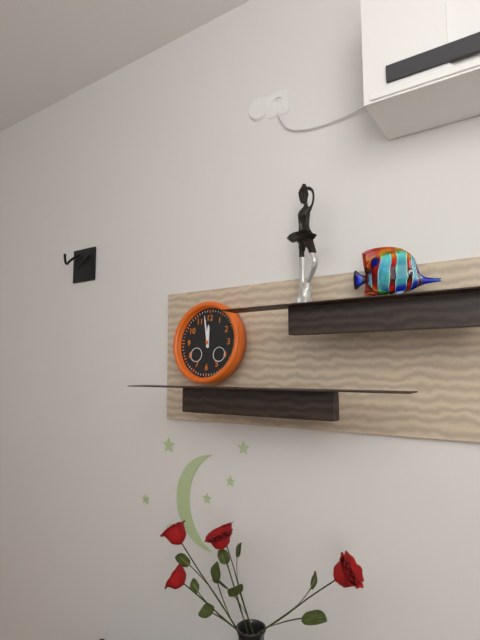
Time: **11:58**
